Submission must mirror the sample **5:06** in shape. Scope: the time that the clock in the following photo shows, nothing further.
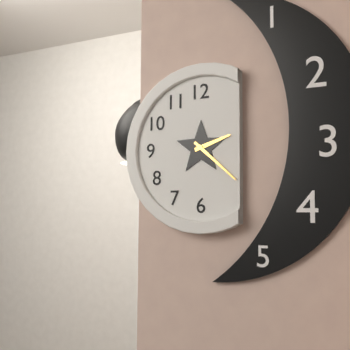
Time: **2:22**
